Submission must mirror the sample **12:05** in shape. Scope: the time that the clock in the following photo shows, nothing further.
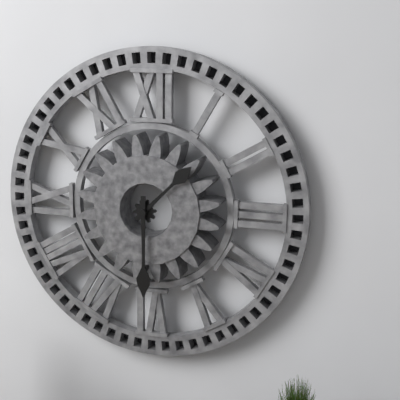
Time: **1:30**
